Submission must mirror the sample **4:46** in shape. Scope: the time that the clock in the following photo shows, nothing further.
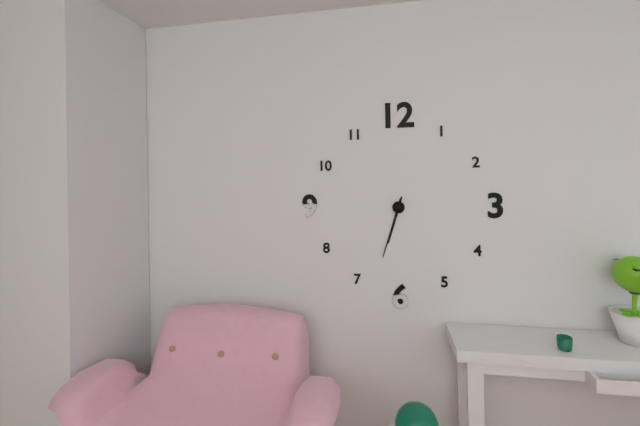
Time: **6:33**
